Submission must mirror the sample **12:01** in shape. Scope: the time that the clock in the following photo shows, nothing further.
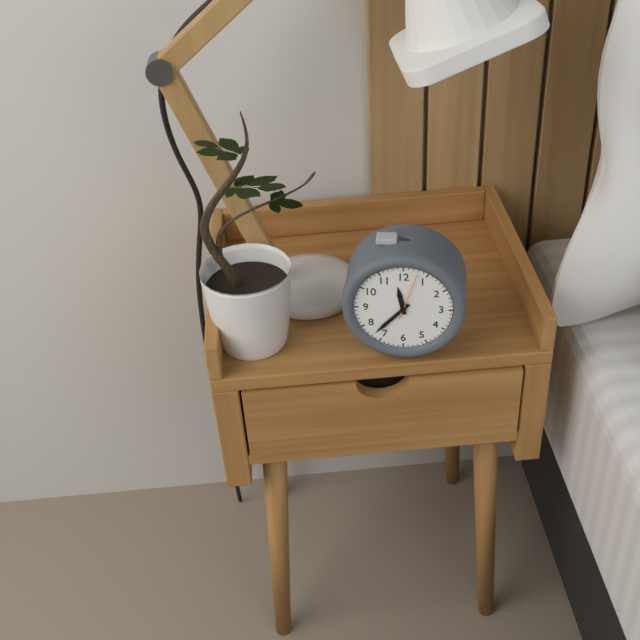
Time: **11:37**
